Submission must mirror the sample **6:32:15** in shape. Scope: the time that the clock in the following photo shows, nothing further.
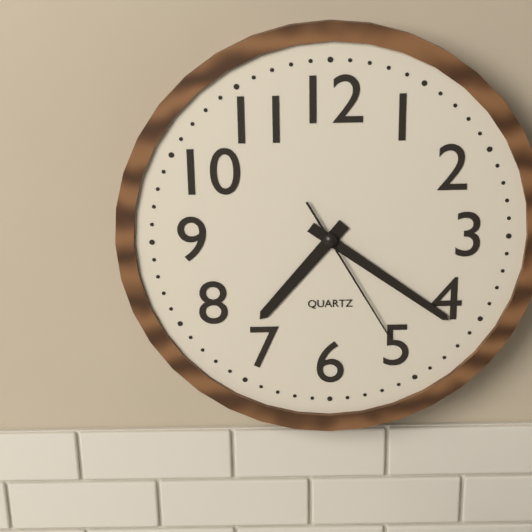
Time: **7:21:25**
